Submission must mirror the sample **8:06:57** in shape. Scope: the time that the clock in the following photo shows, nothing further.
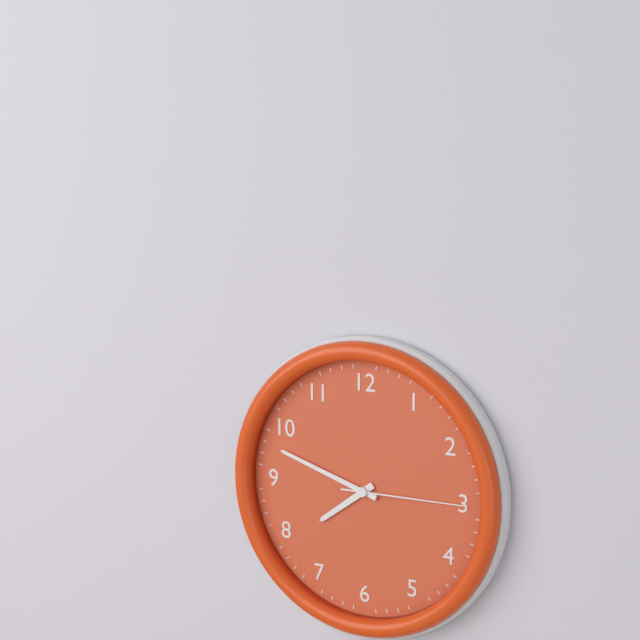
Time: **7:48:15**
